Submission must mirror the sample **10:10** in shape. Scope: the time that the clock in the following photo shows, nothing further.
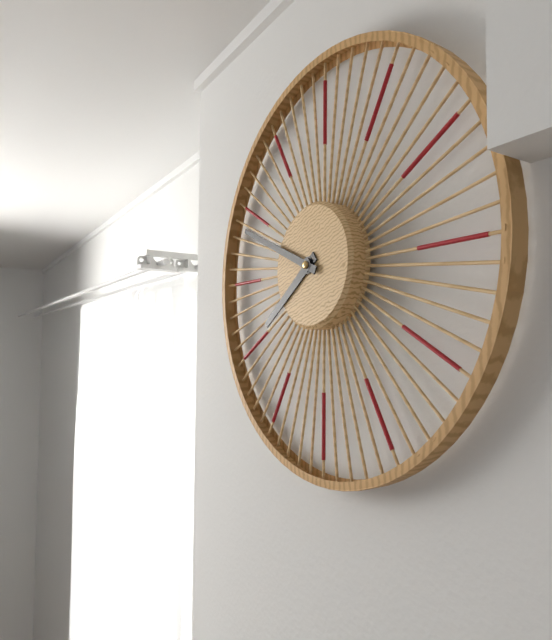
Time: **7:49**
